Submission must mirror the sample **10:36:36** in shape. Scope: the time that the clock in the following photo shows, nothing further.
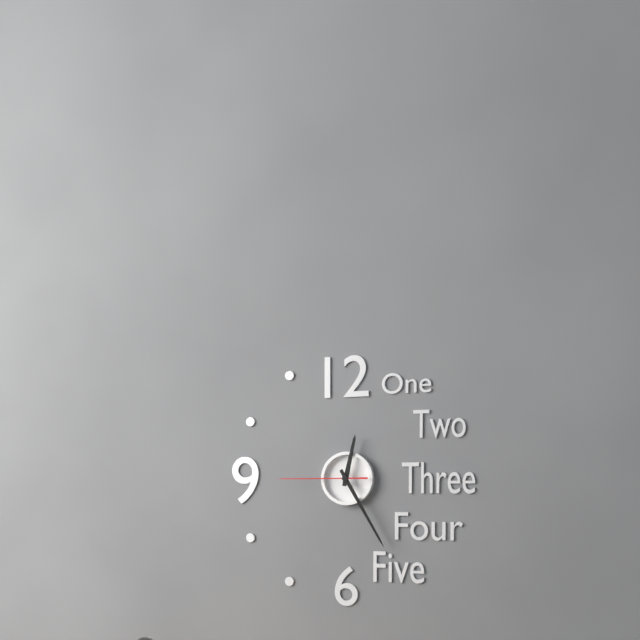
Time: **12:25:45**
